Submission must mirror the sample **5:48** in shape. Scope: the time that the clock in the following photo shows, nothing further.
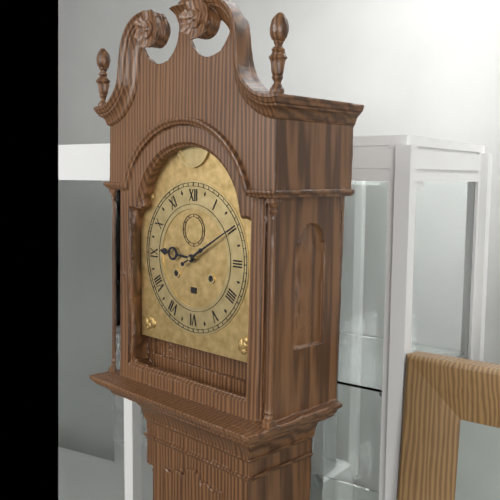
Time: **9:10**
